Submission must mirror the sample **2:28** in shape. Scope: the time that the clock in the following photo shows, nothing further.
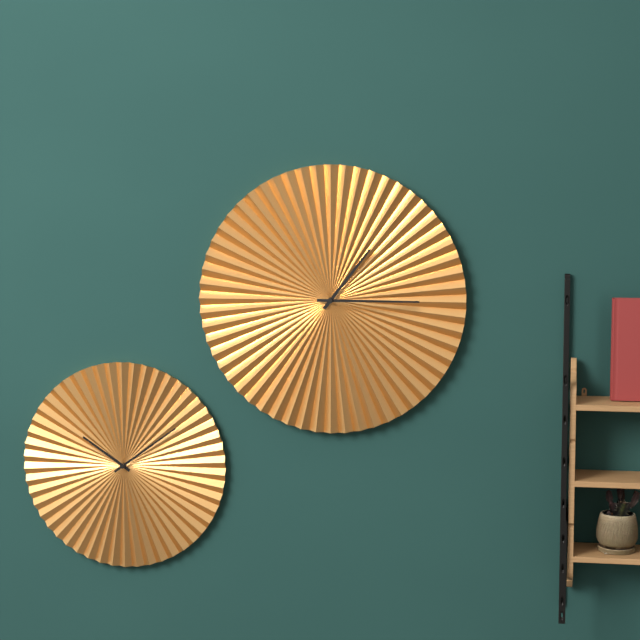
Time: **1:15**
